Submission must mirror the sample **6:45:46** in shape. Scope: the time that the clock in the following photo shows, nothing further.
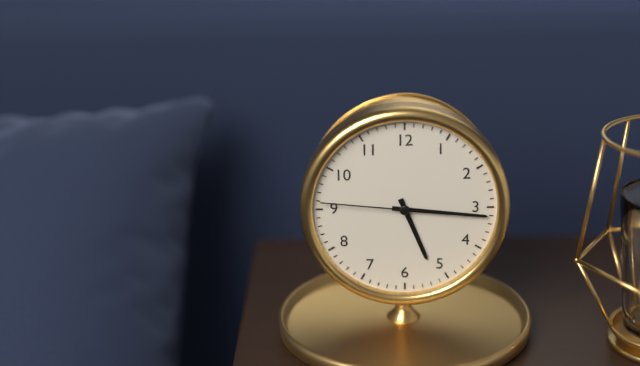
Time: **5:16:46**
